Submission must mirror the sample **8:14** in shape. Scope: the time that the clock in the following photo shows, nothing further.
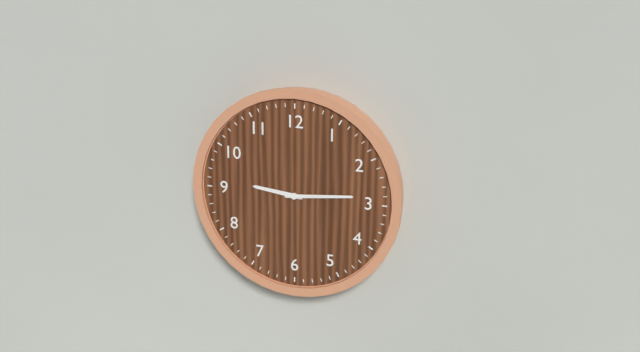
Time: **9:14**
